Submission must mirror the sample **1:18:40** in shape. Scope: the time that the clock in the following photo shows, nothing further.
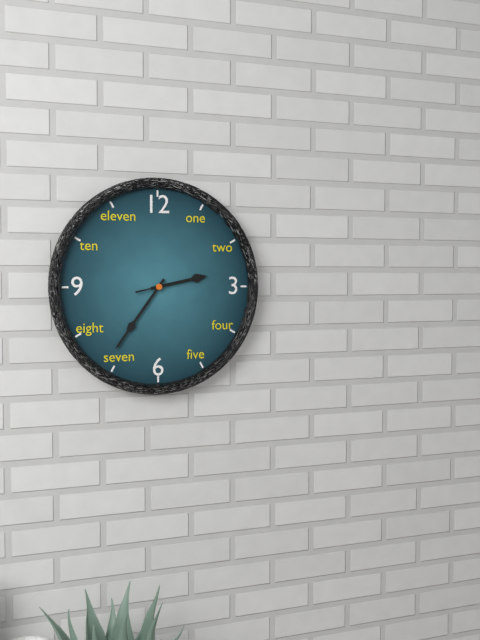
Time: **2:36:13**
